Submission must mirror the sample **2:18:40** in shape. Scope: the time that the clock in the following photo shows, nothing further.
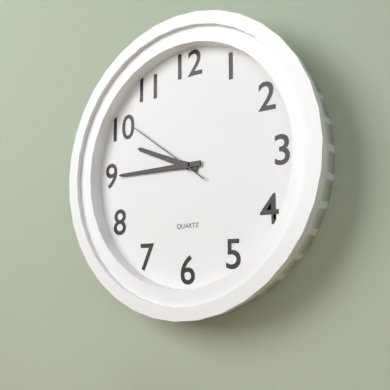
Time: **9:45:51**
